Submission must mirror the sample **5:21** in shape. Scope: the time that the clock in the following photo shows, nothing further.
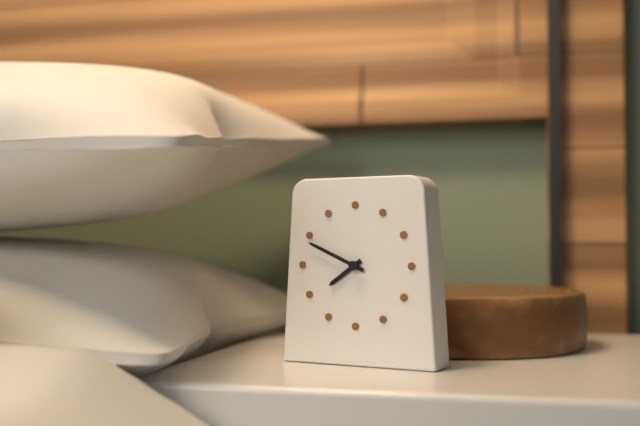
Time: **7:49**
